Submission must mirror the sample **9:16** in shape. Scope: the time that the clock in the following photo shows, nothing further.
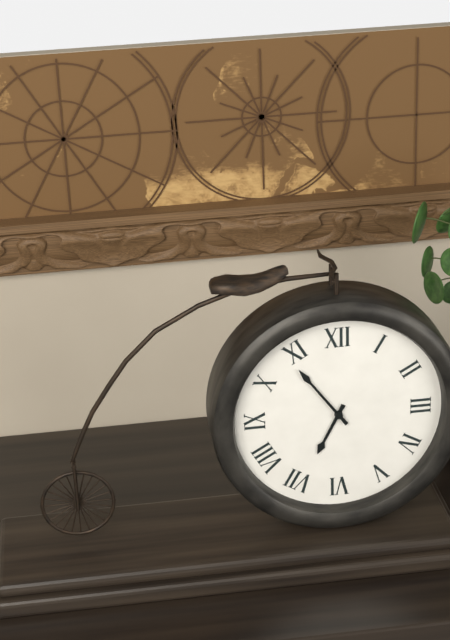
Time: **6:54**
